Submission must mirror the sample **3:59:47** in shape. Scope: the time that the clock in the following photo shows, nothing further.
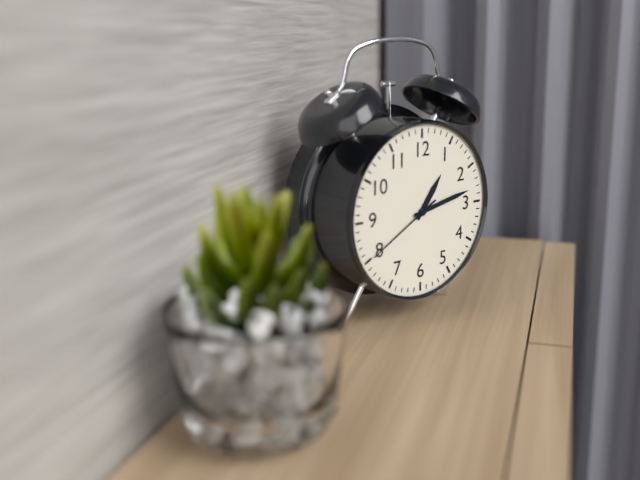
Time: **1:13:40**
